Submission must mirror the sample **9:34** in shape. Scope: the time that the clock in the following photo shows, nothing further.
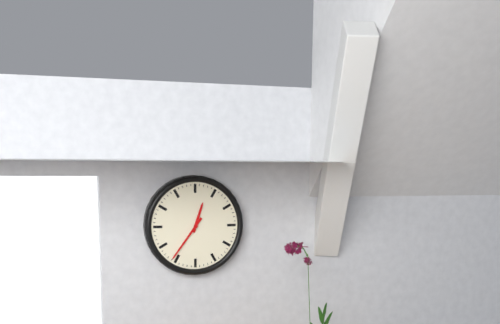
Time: **12:36**
